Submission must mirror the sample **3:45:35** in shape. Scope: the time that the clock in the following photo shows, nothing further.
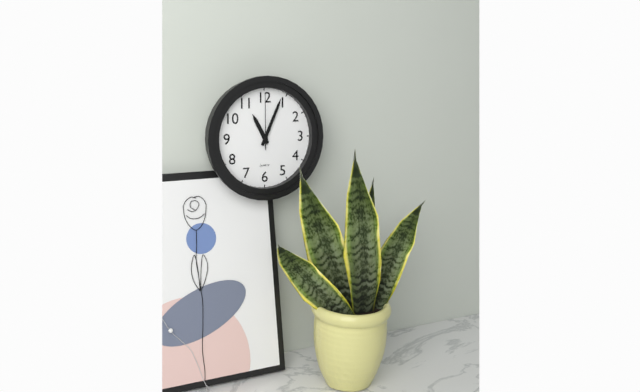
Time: **11:04:00**
